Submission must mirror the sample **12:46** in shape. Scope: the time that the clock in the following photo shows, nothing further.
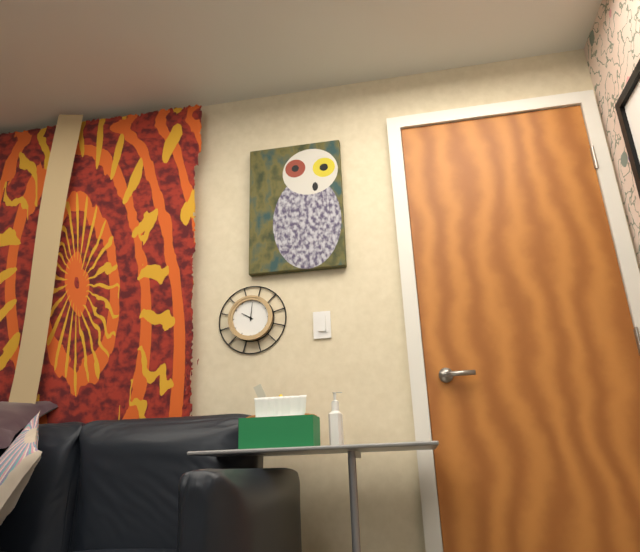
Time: **10:01**
